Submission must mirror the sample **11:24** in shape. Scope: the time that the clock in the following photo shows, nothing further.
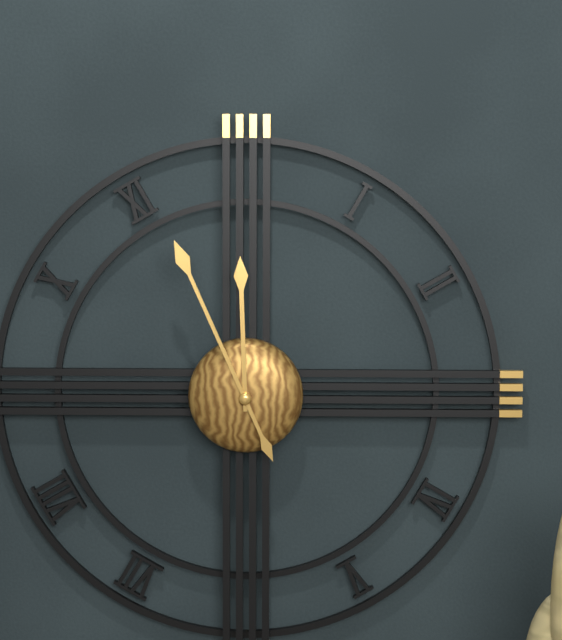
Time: **11:56**
